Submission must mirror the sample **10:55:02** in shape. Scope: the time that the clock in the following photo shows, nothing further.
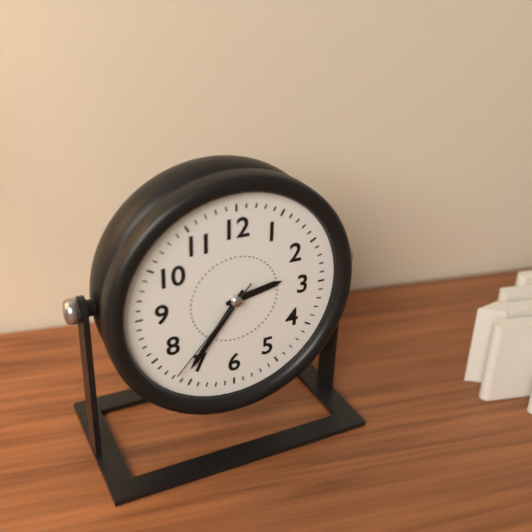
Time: **2:36:37**
